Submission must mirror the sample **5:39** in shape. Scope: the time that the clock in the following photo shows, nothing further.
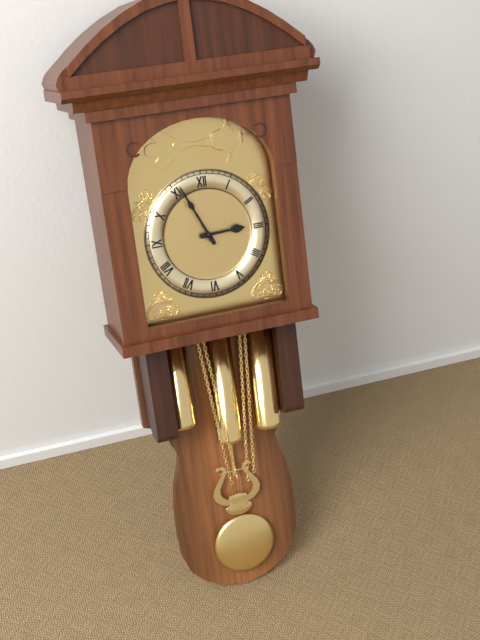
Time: **2:56**
